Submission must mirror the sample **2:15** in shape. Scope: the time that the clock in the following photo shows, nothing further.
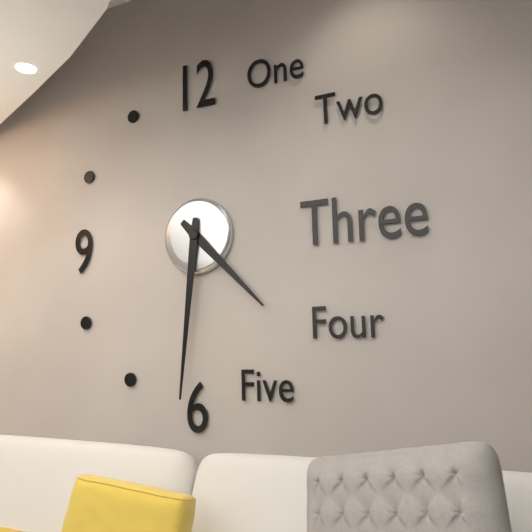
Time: **4:31**
